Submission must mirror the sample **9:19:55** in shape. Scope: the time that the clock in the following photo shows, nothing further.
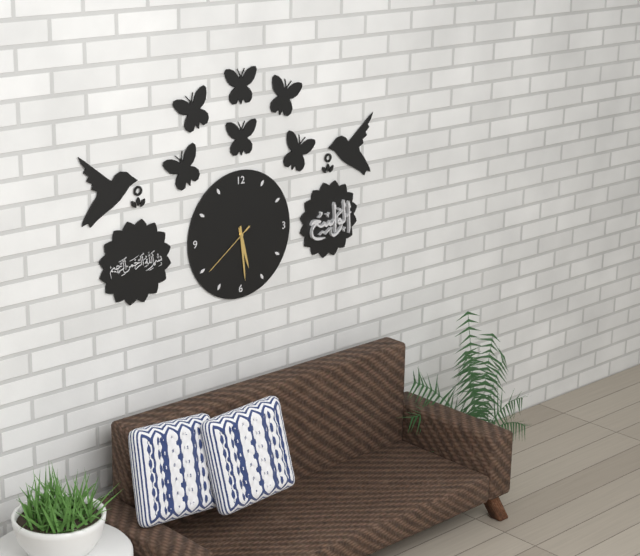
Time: **5:29:39**
